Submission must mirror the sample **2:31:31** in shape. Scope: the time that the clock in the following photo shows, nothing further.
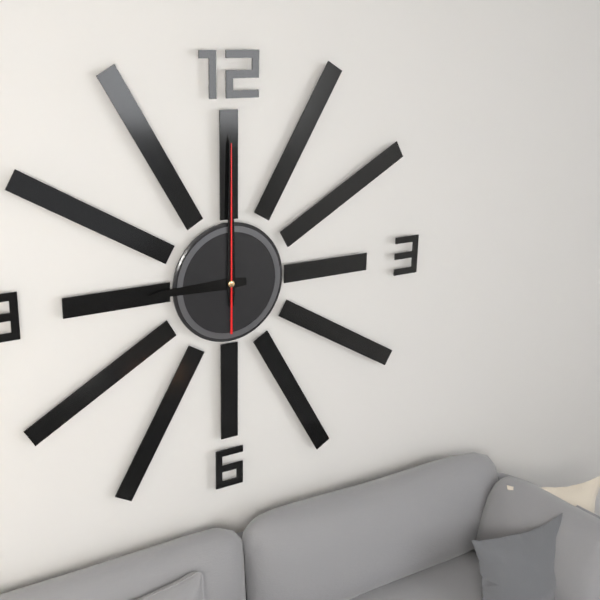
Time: **9:00:00**
